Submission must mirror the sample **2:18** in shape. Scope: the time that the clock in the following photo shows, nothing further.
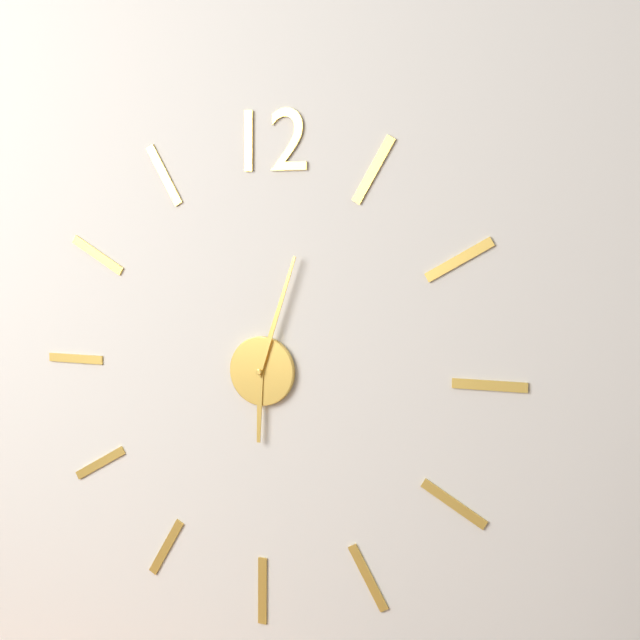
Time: **6:03**
